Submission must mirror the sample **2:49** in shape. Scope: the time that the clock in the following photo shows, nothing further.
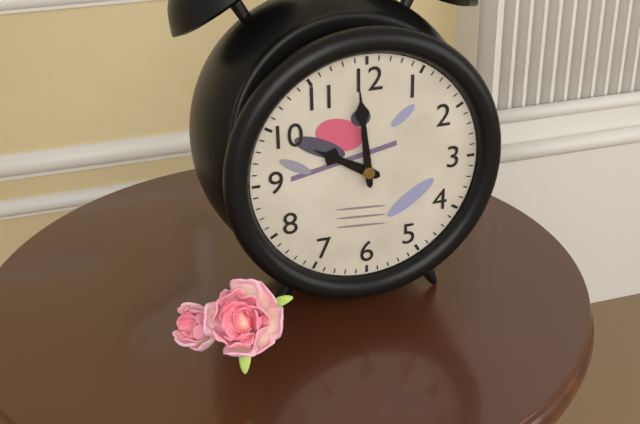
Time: **9:59**
